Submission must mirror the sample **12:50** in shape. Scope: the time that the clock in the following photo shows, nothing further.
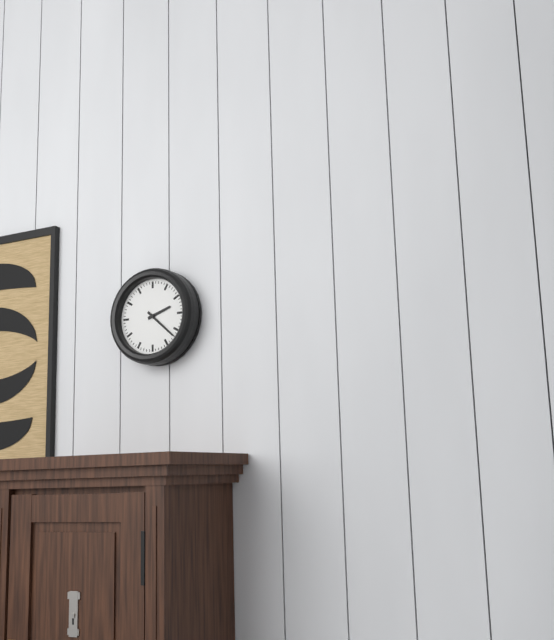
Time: **2:22**
